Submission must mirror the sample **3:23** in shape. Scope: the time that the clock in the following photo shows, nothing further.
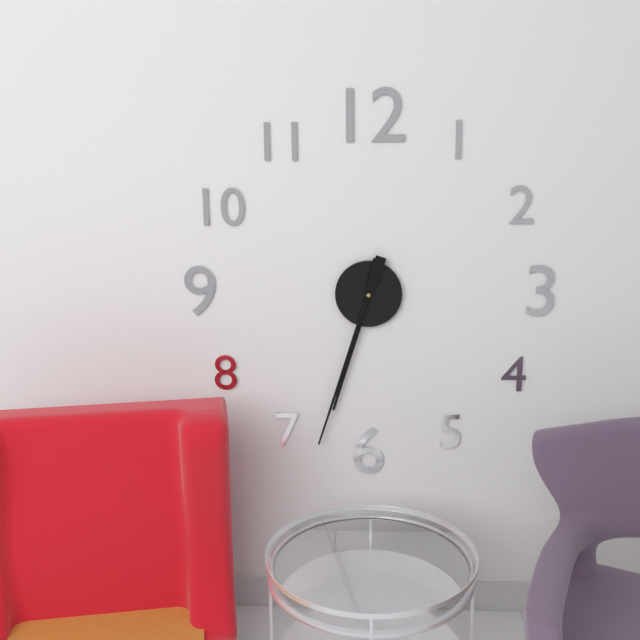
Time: **6:33**
